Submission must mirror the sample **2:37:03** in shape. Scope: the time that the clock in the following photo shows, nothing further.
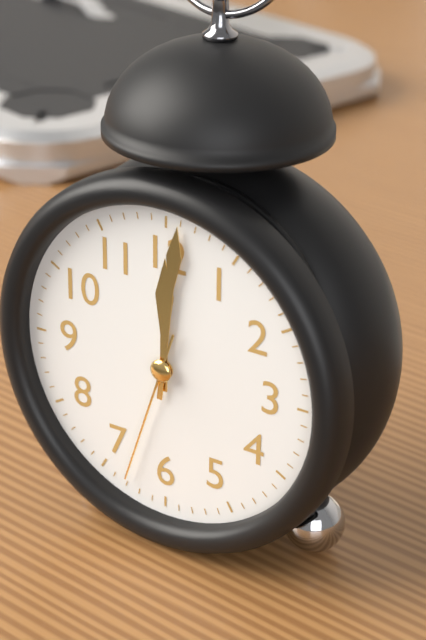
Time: **12:01:33**
